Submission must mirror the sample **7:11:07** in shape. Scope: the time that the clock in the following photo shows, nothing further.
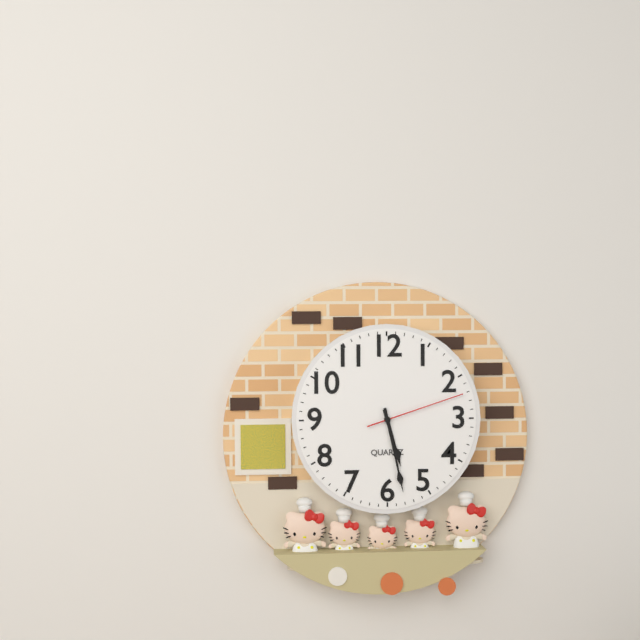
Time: **5:28:12**
